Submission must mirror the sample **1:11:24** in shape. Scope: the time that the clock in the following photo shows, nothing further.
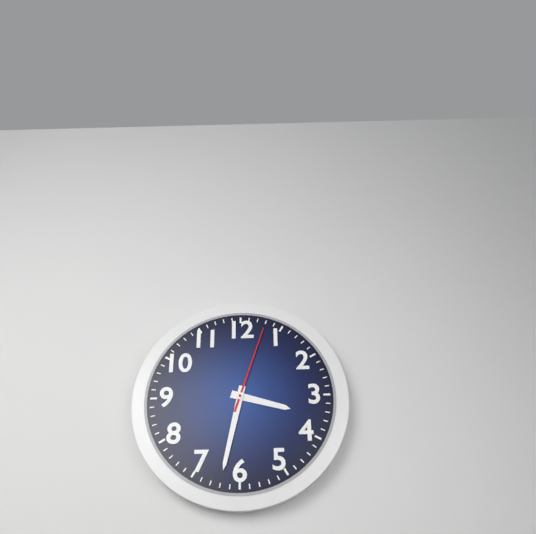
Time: **3:32:03**
